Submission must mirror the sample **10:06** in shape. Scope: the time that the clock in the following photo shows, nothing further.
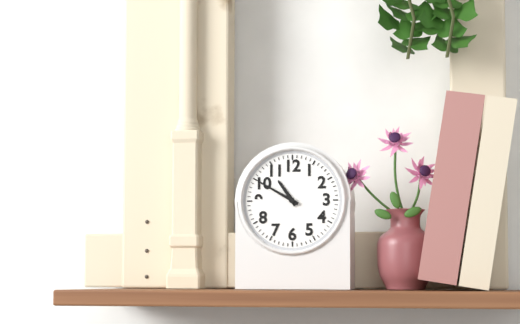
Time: **10:50**
